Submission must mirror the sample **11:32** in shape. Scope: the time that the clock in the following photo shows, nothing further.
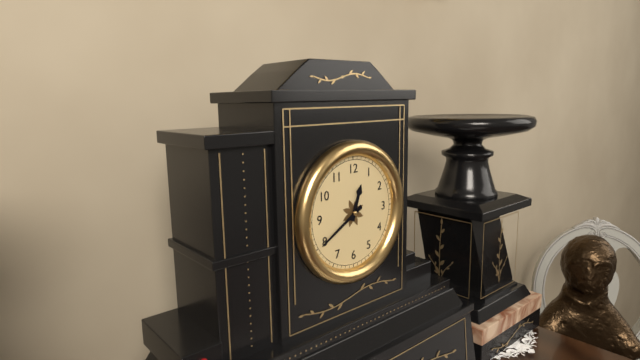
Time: **12:40**
